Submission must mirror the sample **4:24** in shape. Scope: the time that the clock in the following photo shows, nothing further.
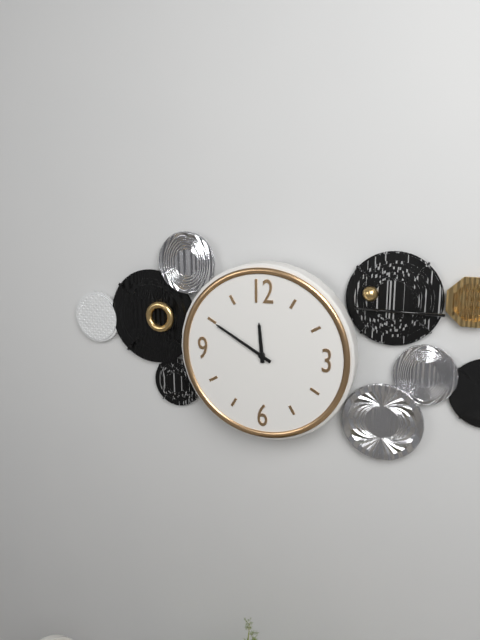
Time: **11:50**
